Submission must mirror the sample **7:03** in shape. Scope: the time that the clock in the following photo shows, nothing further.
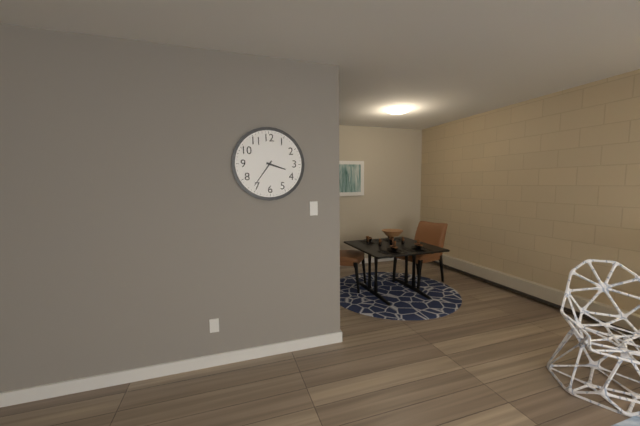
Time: **3:36**
